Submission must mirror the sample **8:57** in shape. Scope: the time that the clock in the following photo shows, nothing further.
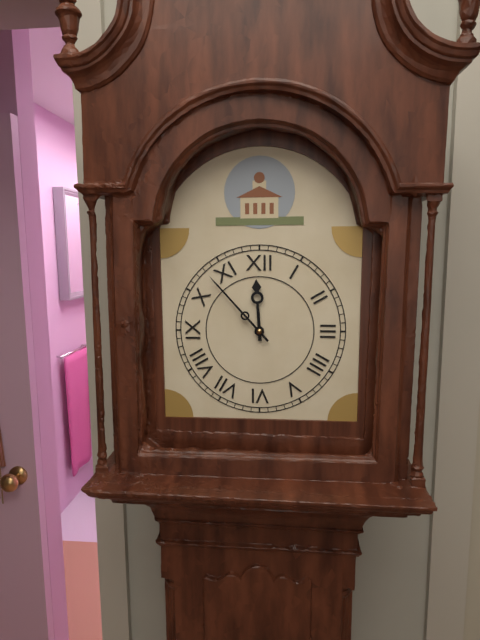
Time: **11:53**
